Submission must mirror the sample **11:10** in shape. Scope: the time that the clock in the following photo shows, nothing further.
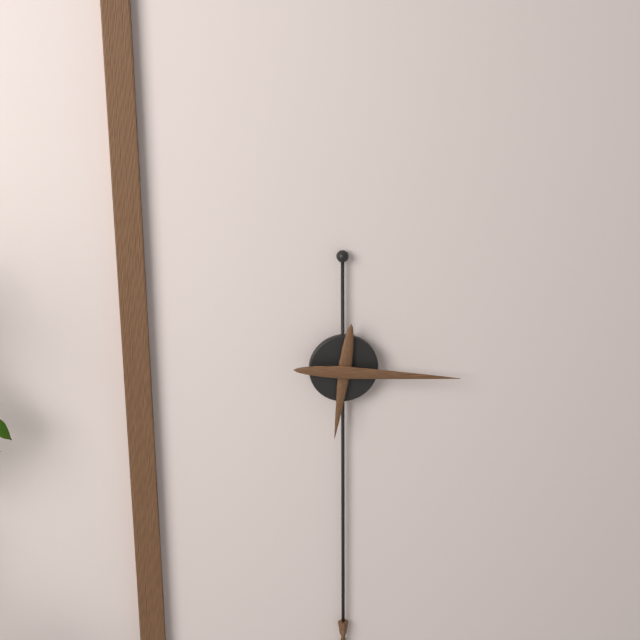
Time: **6:16**
